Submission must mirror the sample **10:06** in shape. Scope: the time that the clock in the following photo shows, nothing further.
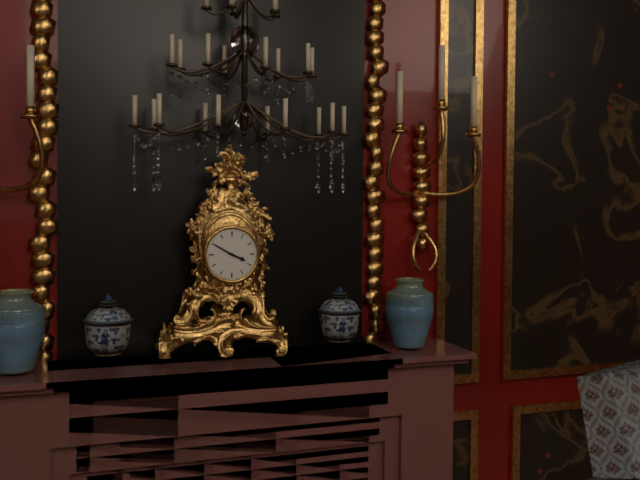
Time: **3:50**
